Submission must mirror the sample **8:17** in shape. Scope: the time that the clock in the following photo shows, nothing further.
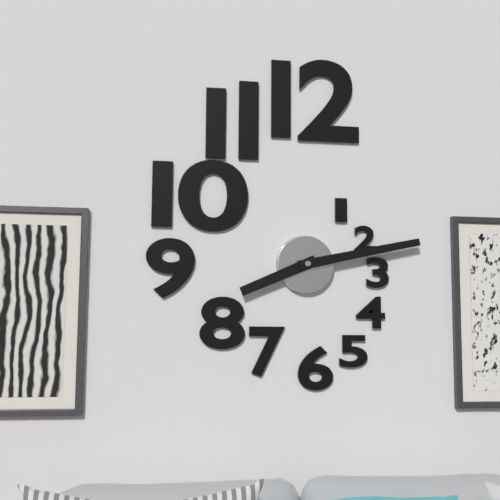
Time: **8:13**
